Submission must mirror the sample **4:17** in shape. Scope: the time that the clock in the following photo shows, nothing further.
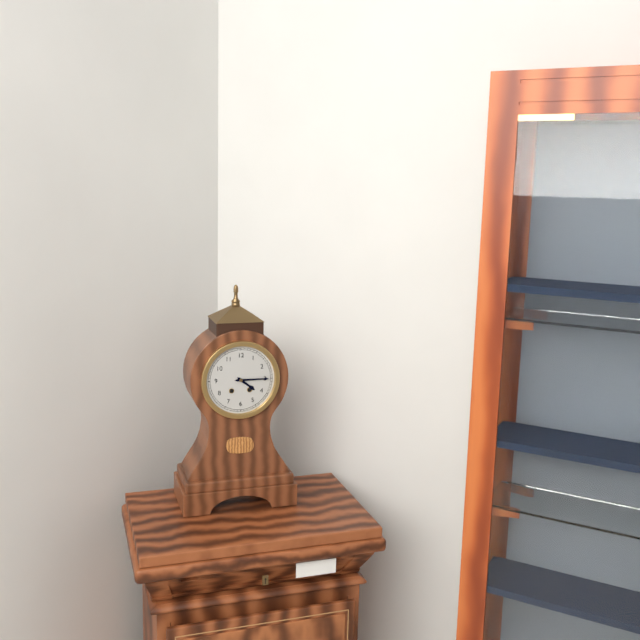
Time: **4:15**
